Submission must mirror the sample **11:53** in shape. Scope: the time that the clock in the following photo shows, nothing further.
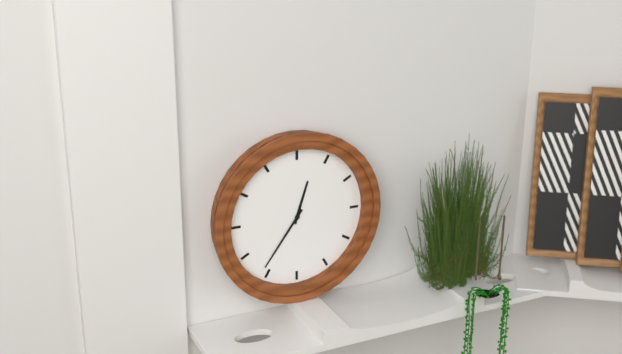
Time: **12:36**
